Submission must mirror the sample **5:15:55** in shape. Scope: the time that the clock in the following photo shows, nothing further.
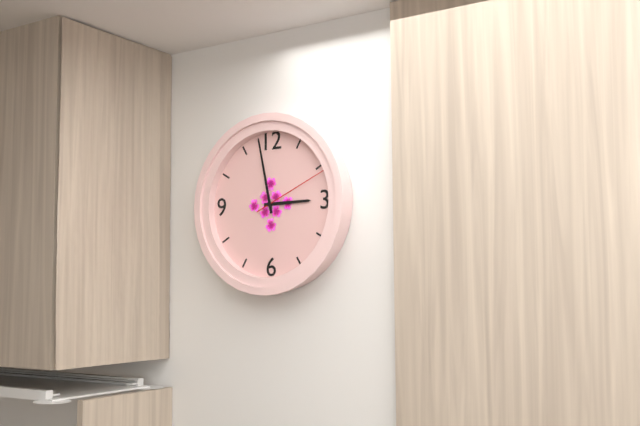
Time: **2:58:11**
